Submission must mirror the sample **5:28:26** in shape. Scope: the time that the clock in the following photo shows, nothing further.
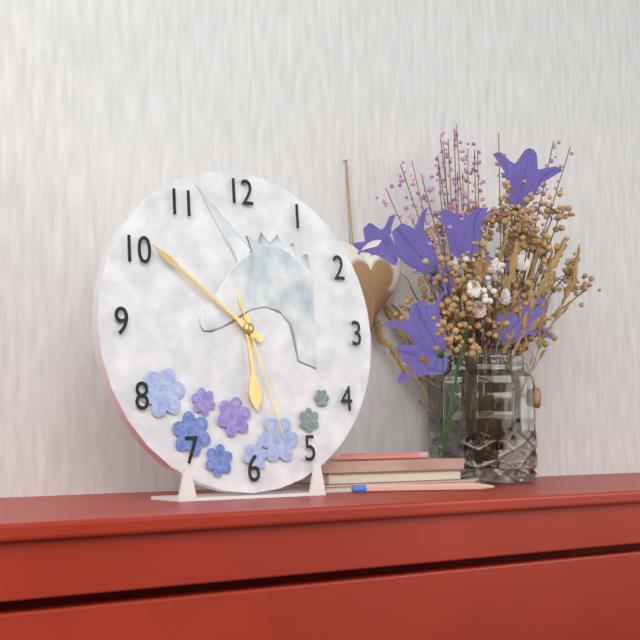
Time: **5:51:27**
